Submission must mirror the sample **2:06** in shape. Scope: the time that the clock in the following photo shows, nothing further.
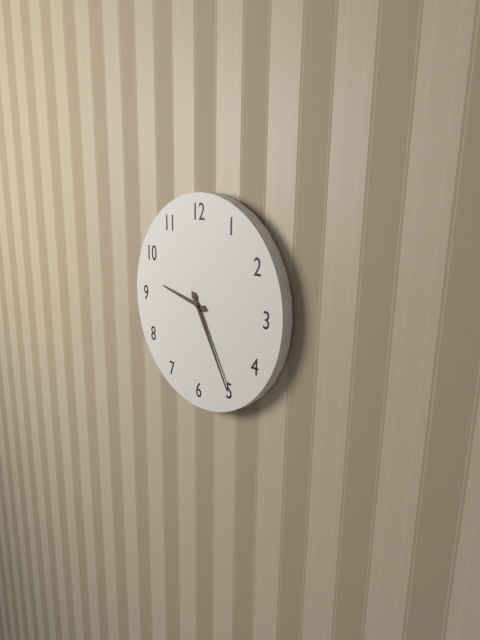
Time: **9:25**
